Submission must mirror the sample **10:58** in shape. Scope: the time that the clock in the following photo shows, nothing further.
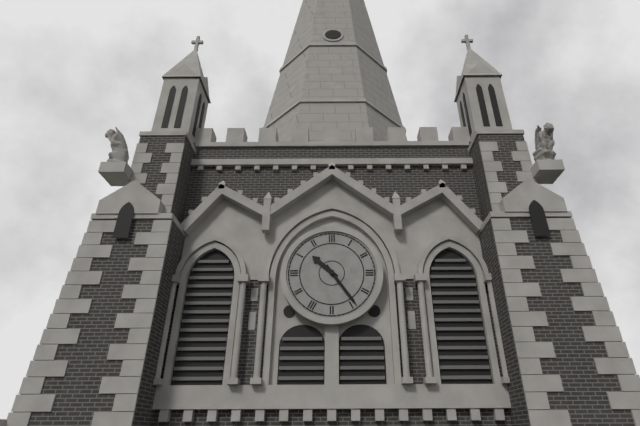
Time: **10:24**
